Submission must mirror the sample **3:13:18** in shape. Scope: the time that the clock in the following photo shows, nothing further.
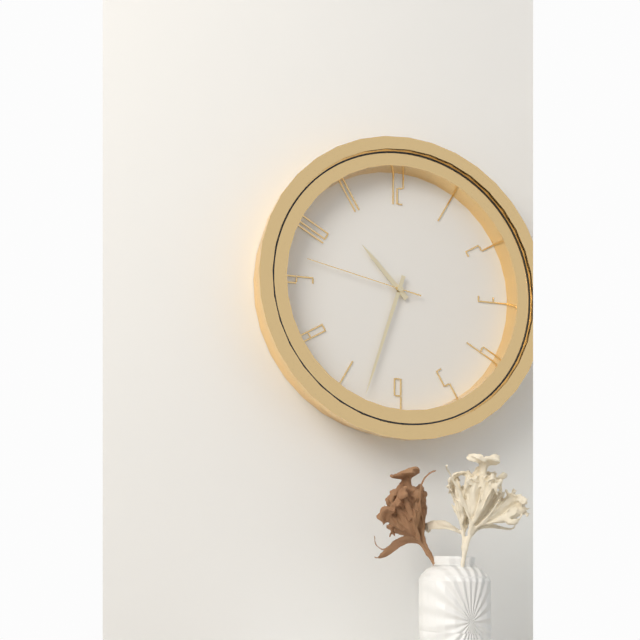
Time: **10:33:47**
